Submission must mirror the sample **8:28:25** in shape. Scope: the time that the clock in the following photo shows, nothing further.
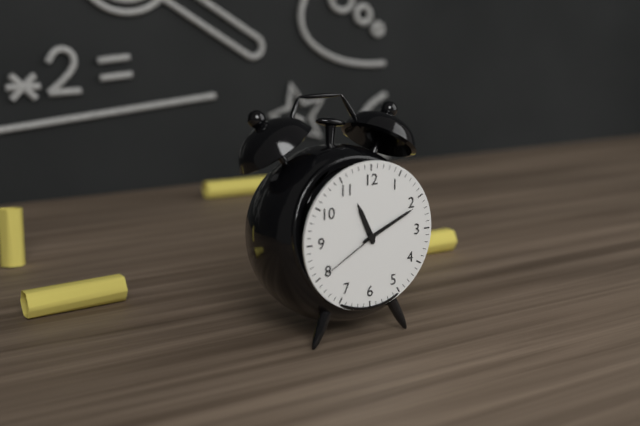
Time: **11:11:40**
